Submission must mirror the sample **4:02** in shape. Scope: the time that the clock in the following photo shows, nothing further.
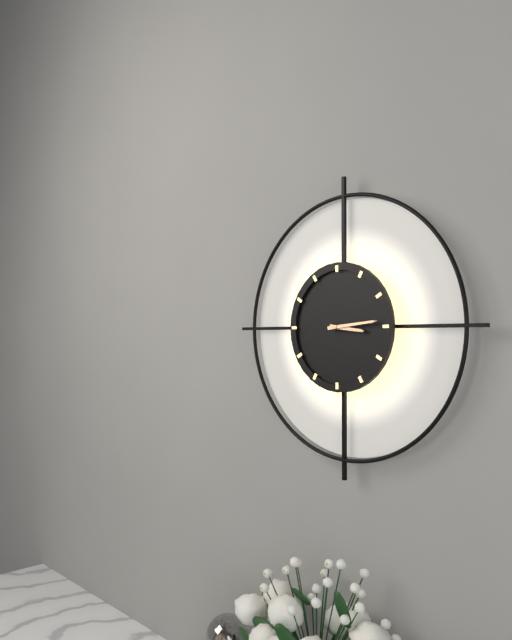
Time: **3:14**
